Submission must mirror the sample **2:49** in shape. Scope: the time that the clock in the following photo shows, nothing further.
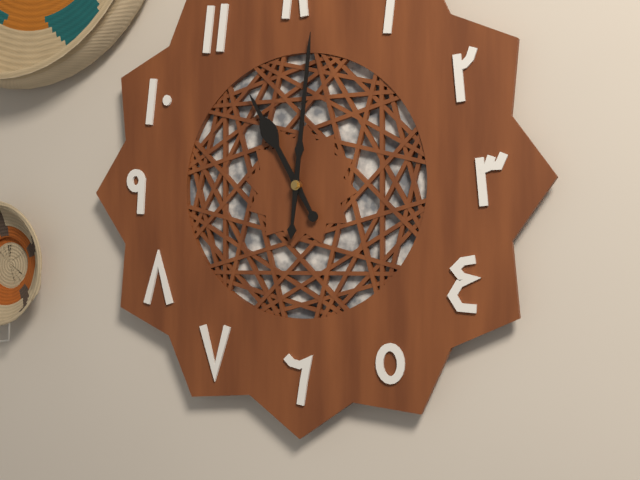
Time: **11:01**
